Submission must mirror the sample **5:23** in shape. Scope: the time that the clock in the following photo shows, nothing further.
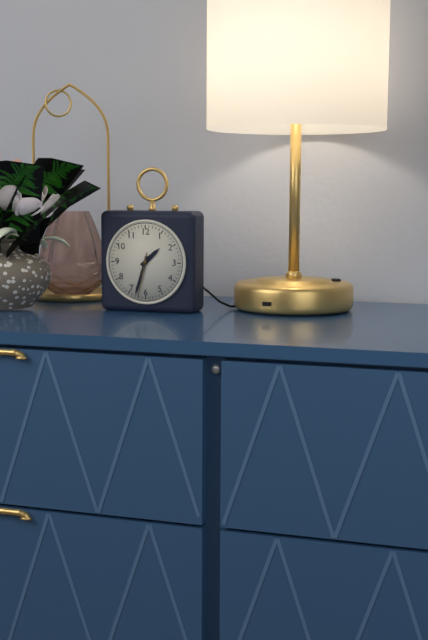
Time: **1:33**
